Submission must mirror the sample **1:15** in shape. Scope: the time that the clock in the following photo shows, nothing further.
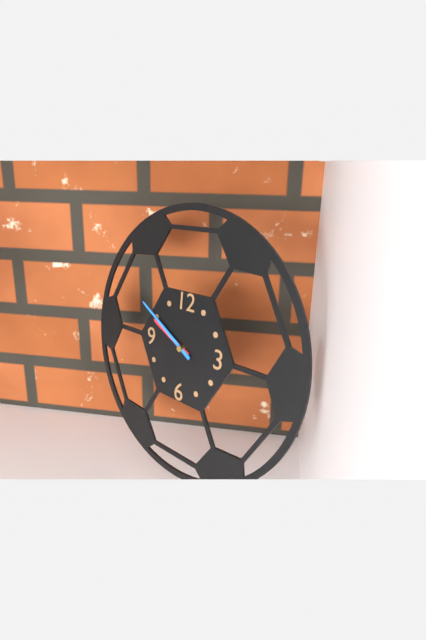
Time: **9:50**
